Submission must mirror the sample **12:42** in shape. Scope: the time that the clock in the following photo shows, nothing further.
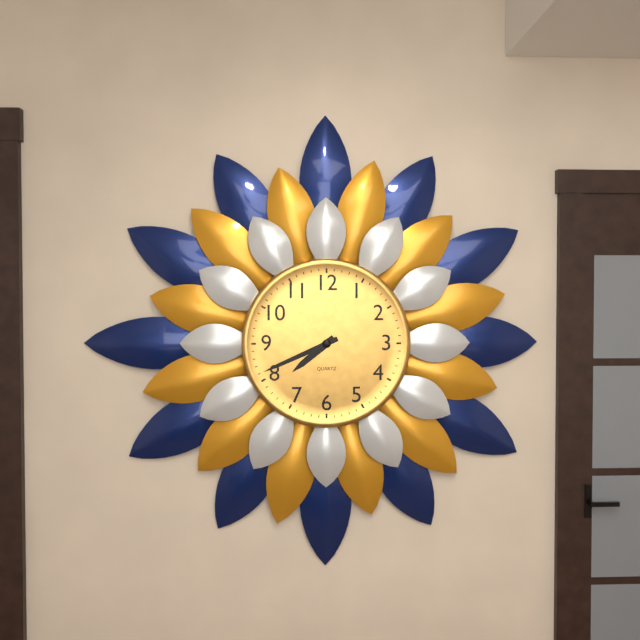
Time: **7:41**
